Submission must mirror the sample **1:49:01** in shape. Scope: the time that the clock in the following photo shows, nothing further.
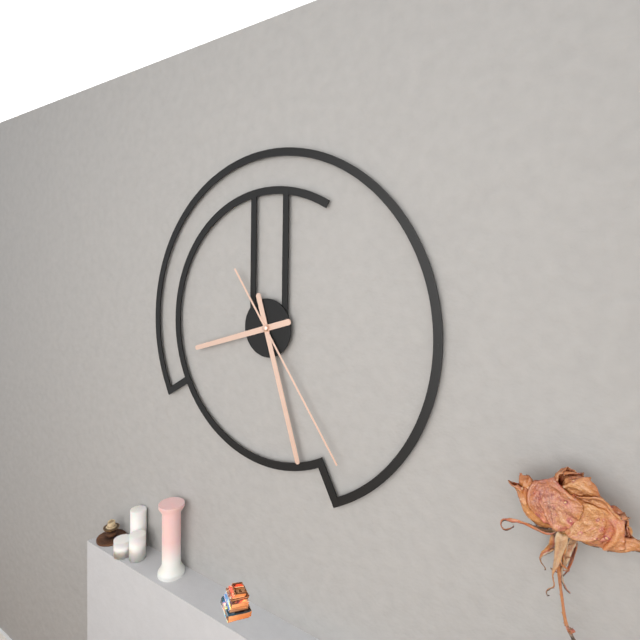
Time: **8:27:24**
